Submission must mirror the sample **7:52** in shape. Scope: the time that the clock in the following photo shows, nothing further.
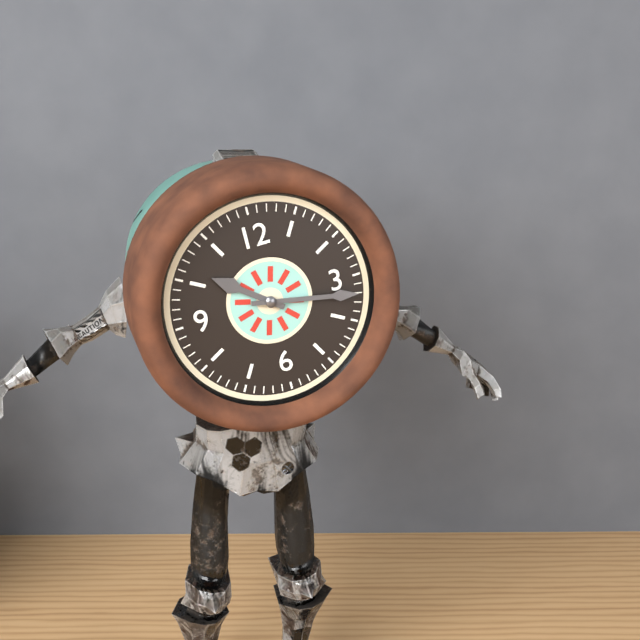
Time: **10:17**
